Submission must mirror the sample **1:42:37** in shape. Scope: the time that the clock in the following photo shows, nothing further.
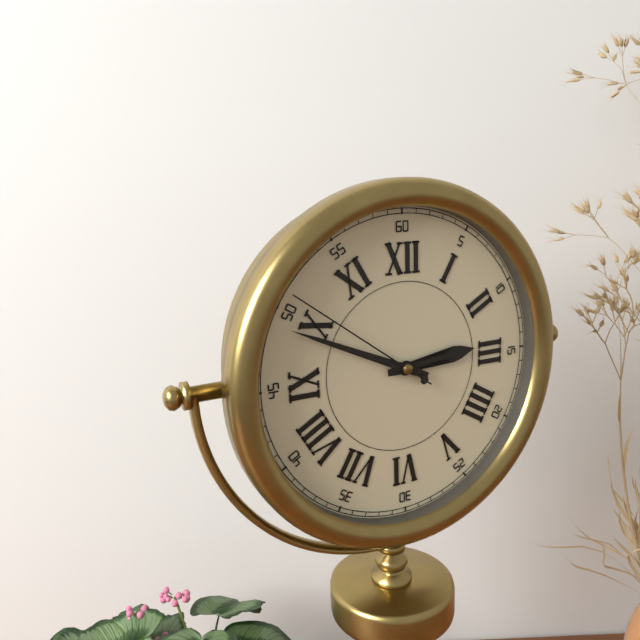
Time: **2:49:51**
